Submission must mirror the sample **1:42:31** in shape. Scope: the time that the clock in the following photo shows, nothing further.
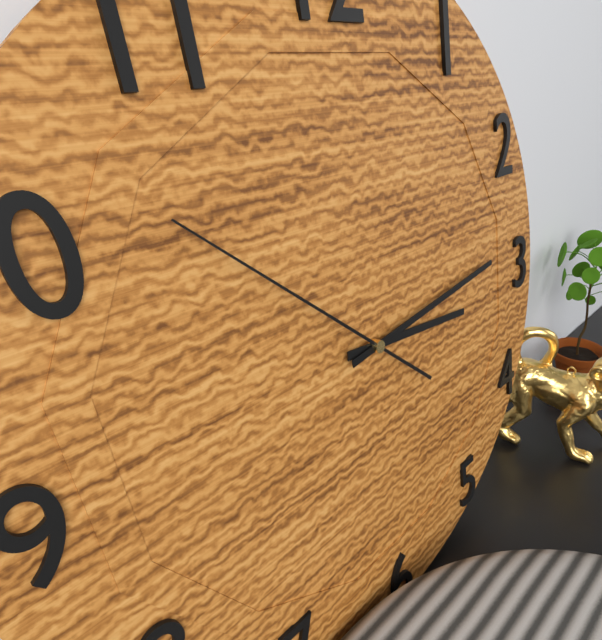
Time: **3:14:52**
